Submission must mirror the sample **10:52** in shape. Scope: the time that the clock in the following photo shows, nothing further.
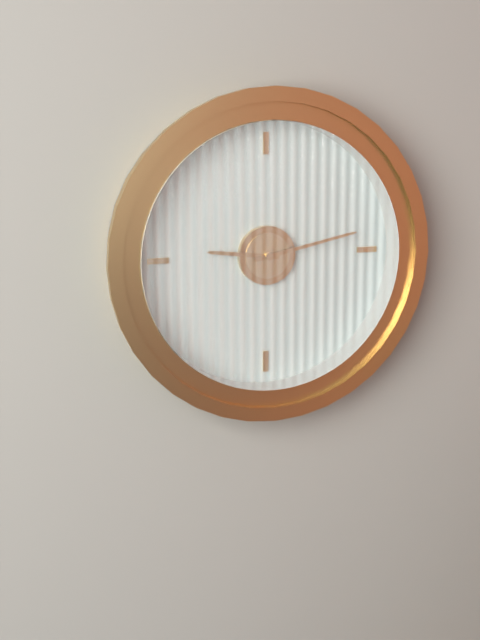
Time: **9:13**
